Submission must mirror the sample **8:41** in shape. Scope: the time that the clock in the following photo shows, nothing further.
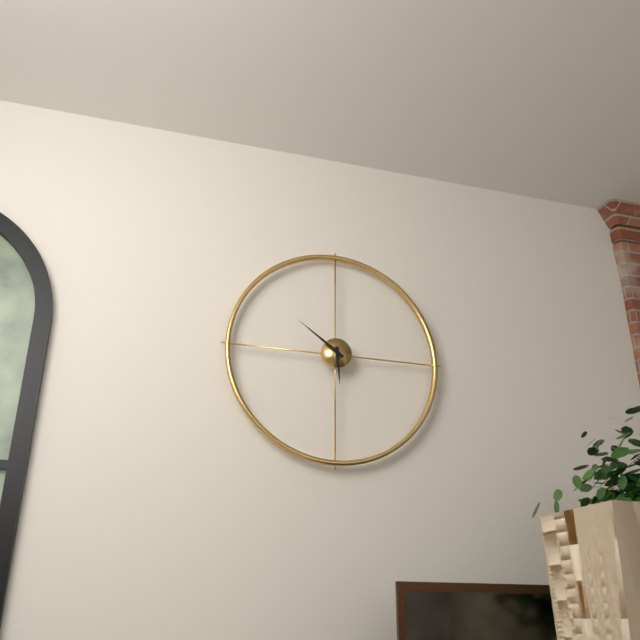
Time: **5:51**
